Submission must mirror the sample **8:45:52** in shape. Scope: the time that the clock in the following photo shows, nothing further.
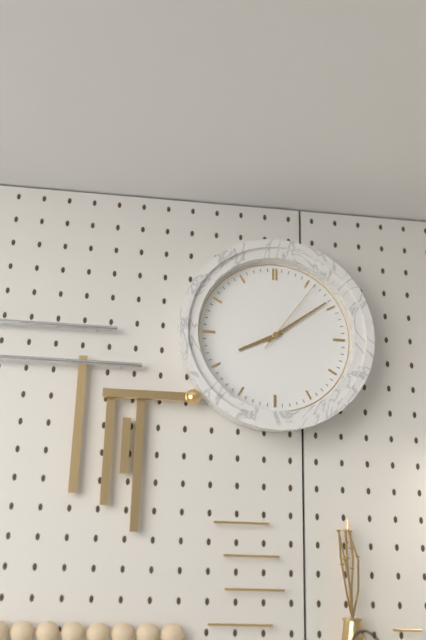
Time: **8:09:06**
